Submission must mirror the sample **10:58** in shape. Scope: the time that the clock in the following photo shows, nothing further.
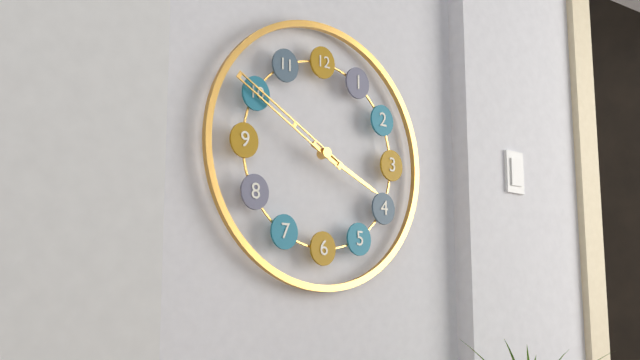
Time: **3:50**
